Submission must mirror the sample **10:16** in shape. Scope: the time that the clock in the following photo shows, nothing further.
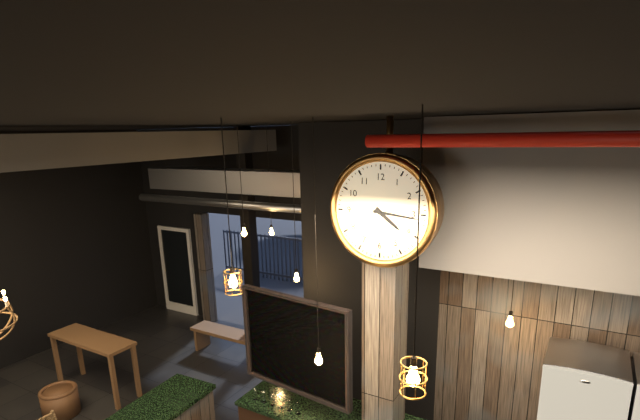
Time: **4:16**
